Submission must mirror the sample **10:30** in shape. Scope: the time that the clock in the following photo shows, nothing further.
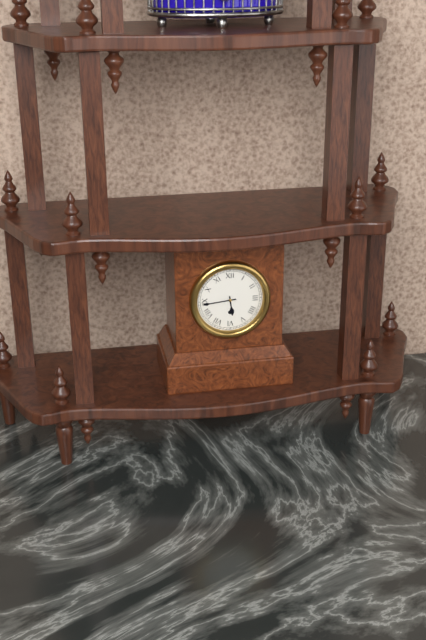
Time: **5:44**
